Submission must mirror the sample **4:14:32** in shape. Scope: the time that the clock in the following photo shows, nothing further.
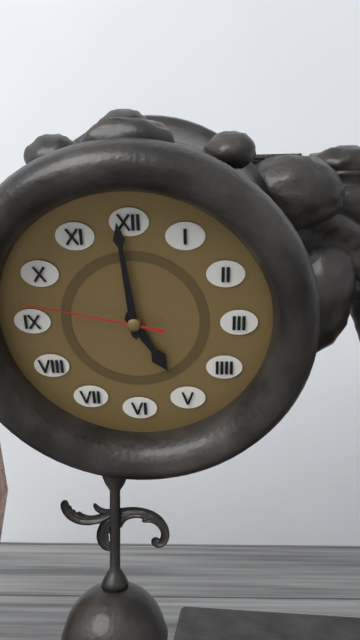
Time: **4:59:47**
